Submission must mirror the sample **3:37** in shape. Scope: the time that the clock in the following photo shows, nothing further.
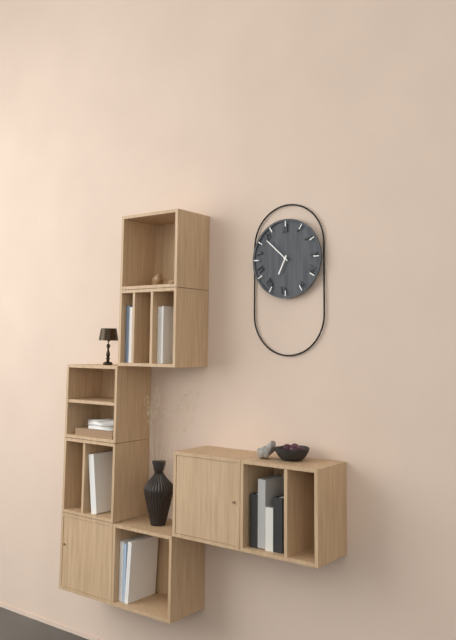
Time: **6:52**
